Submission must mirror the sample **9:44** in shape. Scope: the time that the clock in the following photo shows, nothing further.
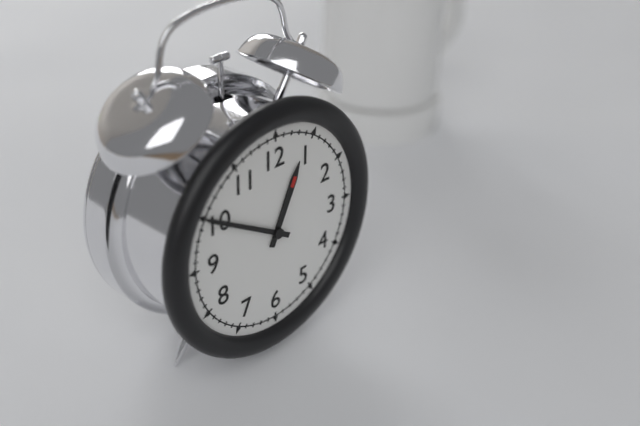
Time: **12:50**
